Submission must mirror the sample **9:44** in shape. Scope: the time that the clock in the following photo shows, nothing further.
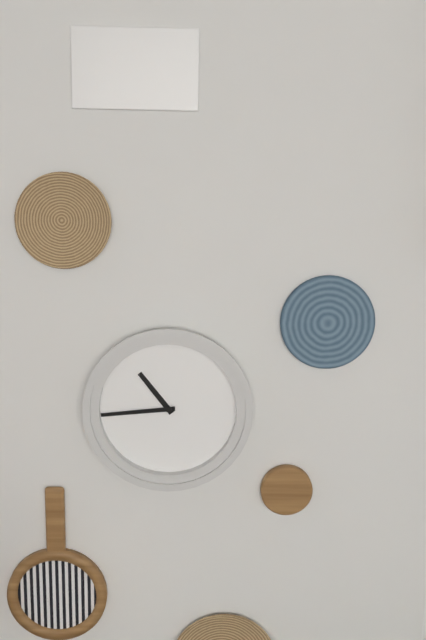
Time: **10:44**
